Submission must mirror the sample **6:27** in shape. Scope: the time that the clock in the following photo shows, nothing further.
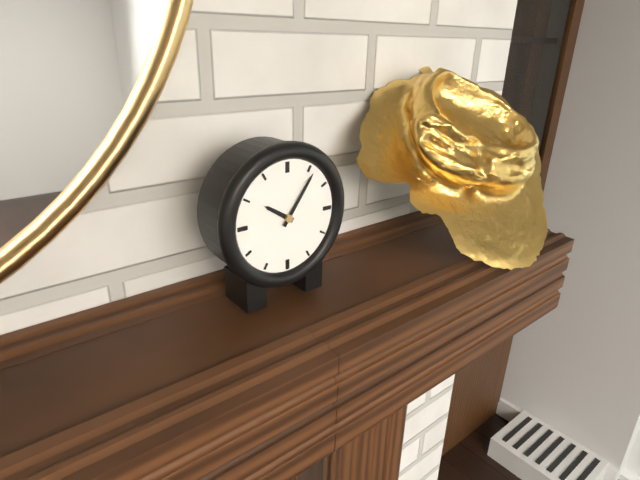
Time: **10:06**
